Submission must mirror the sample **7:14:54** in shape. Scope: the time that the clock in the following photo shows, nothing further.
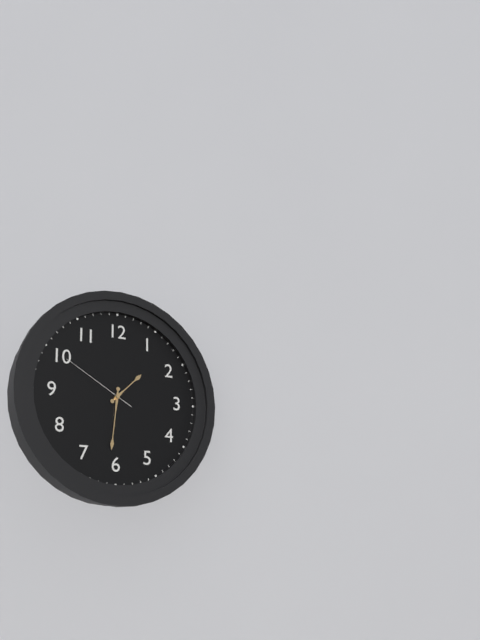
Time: **1:31:50**
